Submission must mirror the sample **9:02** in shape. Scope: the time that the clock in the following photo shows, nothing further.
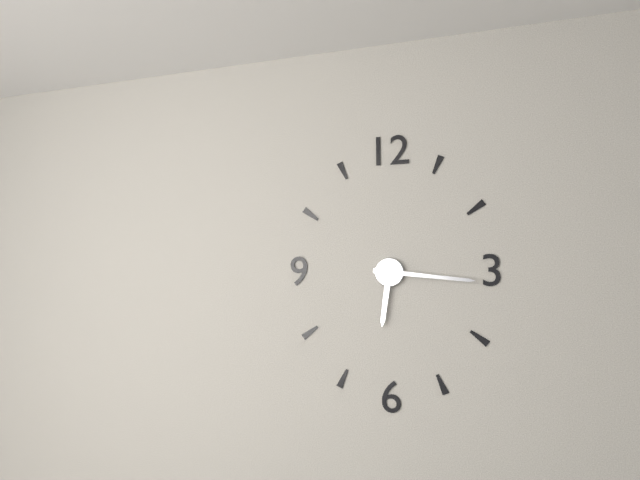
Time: **6:16**
